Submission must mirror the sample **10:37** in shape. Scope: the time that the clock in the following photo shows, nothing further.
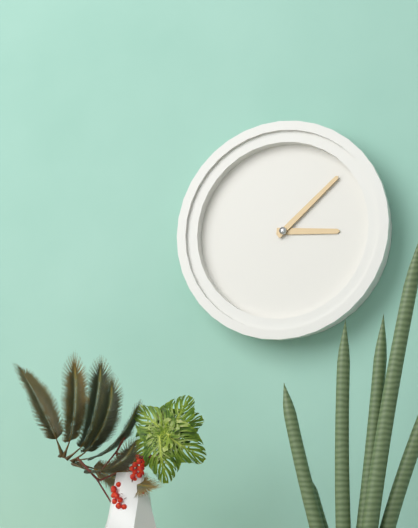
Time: **3:08**
